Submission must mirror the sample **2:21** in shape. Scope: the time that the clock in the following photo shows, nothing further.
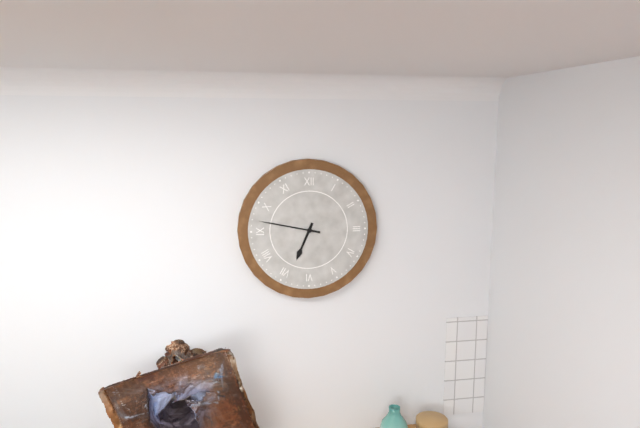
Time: **6:47**
